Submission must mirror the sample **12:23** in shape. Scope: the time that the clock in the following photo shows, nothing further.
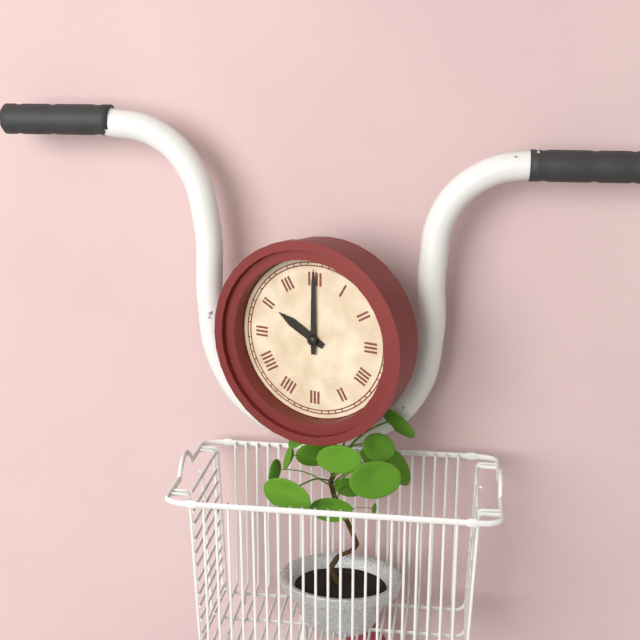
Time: **10:00**
